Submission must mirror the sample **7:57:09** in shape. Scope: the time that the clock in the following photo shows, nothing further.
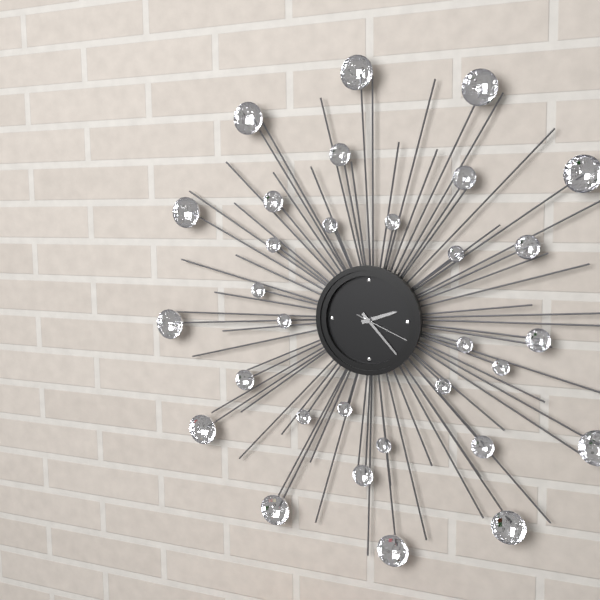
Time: **2:23:19**
